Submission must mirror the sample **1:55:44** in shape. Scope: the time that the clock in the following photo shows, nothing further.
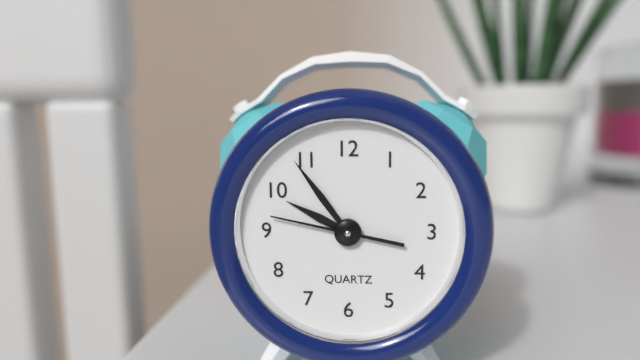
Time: **9:54:47**
